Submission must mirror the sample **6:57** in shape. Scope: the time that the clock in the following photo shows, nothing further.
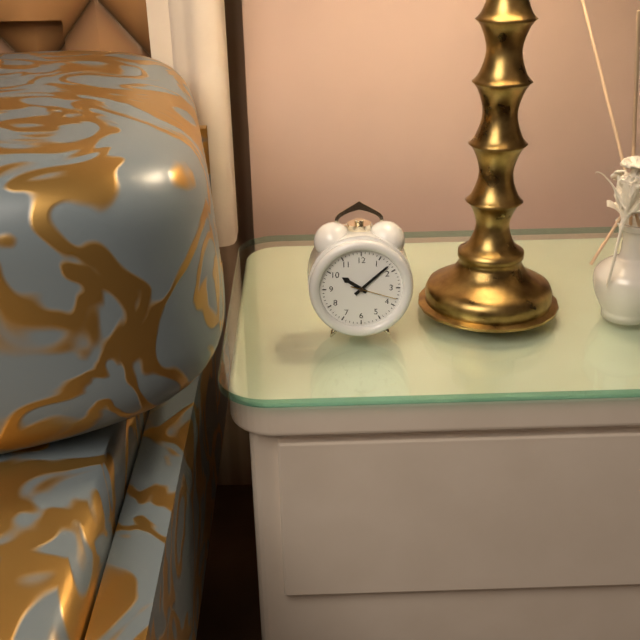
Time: **10:08**
